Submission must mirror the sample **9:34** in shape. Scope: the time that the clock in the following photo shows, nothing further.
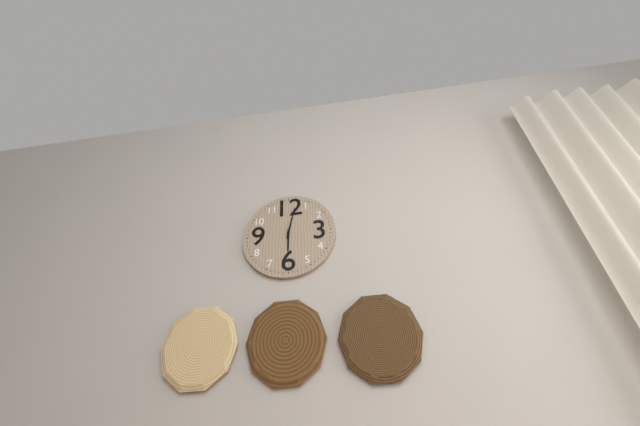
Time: **6:02**
